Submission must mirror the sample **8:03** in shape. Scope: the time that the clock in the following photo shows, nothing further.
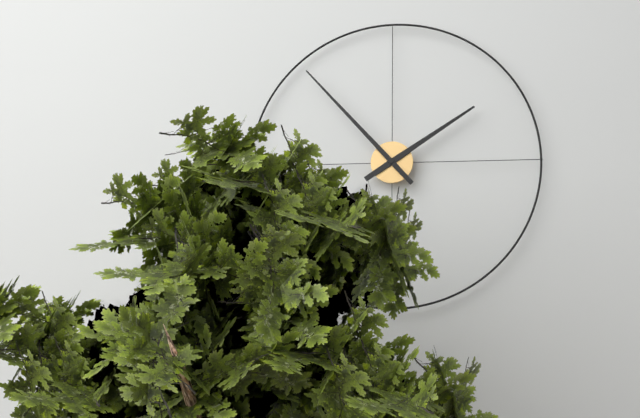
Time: **1:53**
